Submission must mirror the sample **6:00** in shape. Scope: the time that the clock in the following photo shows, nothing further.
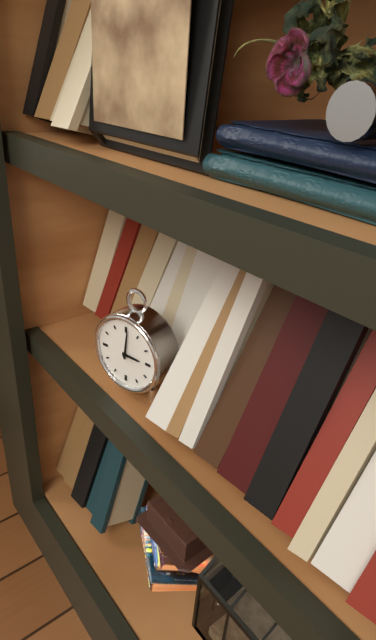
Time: **3:01**
